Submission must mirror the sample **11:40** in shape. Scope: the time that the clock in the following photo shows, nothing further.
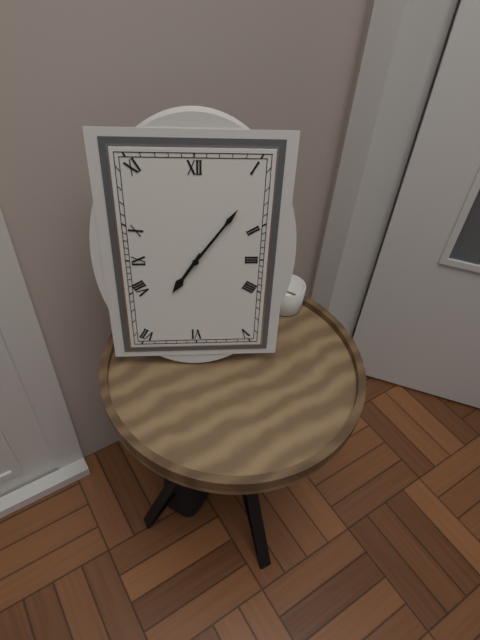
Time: **7:06**
